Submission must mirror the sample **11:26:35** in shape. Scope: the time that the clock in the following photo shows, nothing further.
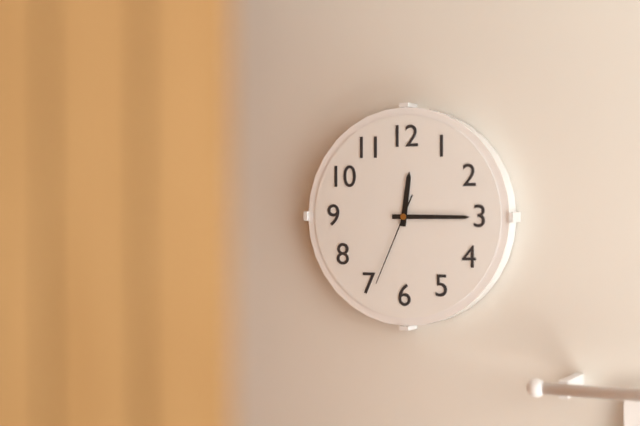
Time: **12:15:34**
